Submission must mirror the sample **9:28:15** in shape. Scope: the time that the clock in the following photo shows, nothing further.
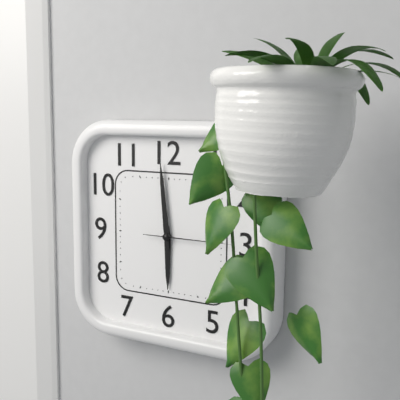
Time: **5:59:15**
